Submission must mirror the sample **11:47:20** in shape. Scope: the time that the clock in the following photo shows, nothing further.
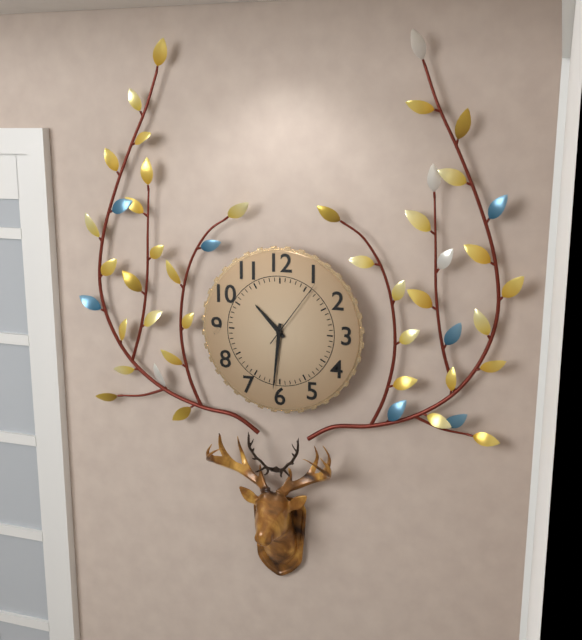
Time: **10:31:06**
